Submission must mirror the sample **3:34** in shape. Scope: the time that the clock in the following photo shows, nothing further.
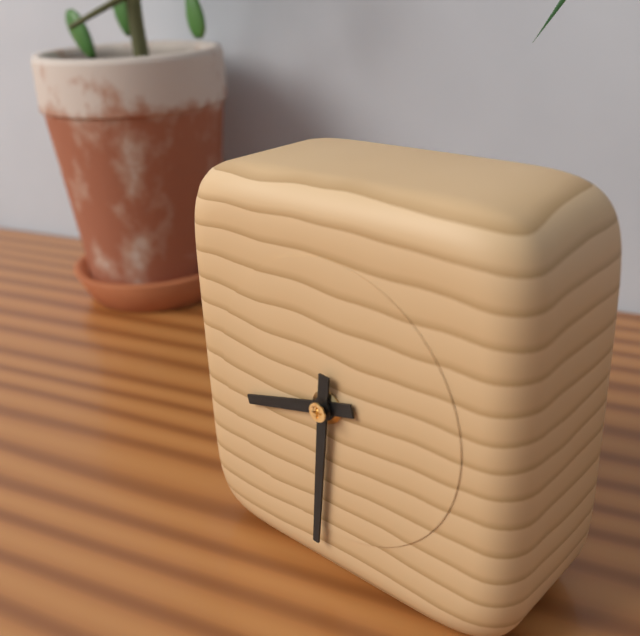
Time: **8:31**
